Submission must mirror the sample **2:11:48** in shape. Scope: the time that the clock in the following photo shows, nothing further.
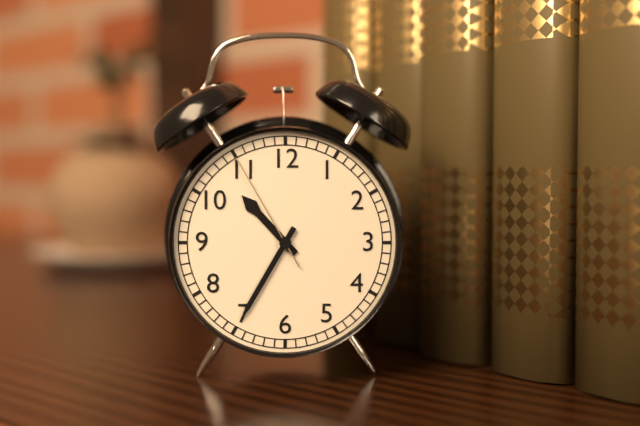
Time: **10:35:55**
